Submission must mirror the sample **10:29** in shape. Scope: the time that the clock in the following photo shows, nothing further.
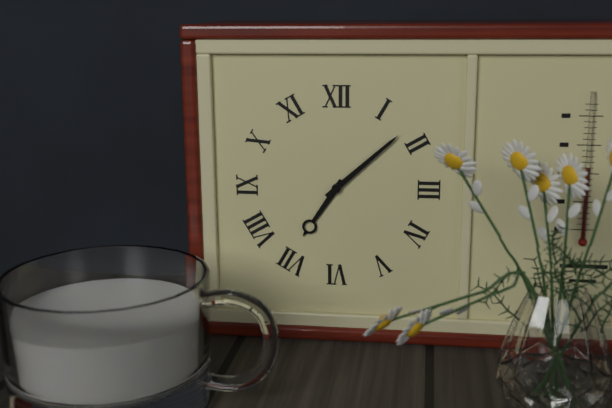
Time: **7:08**
